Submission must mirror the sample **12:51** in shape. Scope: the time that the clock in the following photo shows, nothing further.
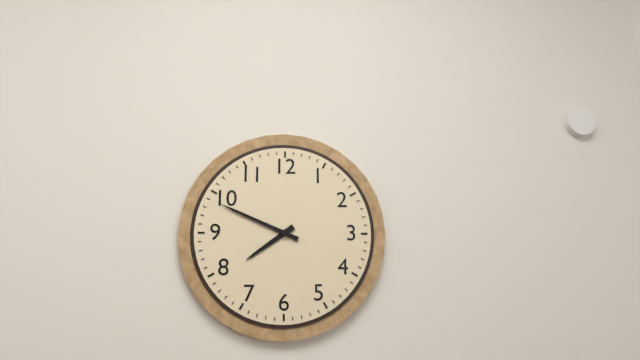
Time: **7:49**
